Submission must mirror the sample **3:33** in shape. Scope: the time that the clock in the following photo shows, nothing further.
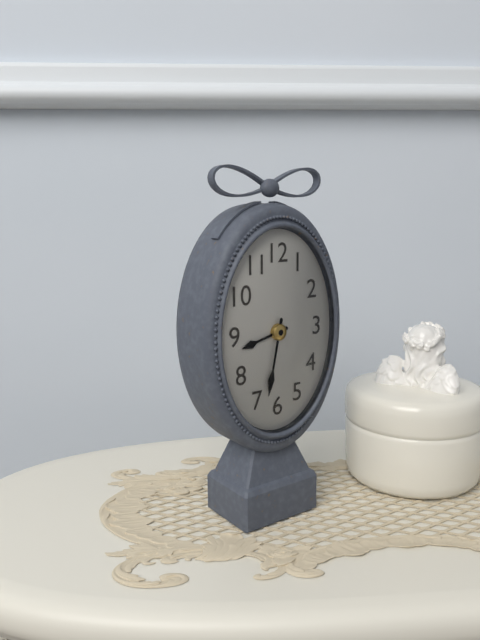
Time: **8:32**
